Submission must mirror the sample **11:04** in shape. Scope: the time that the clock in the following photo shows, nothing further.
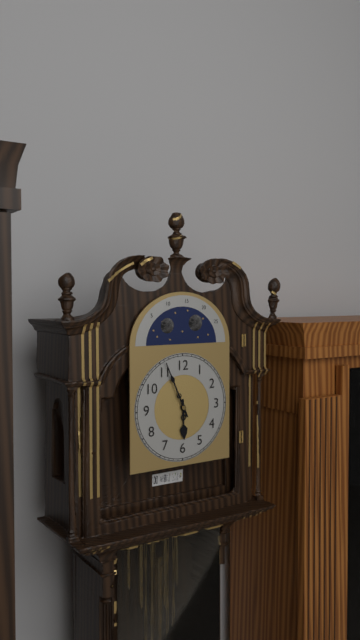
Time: **5:56**
